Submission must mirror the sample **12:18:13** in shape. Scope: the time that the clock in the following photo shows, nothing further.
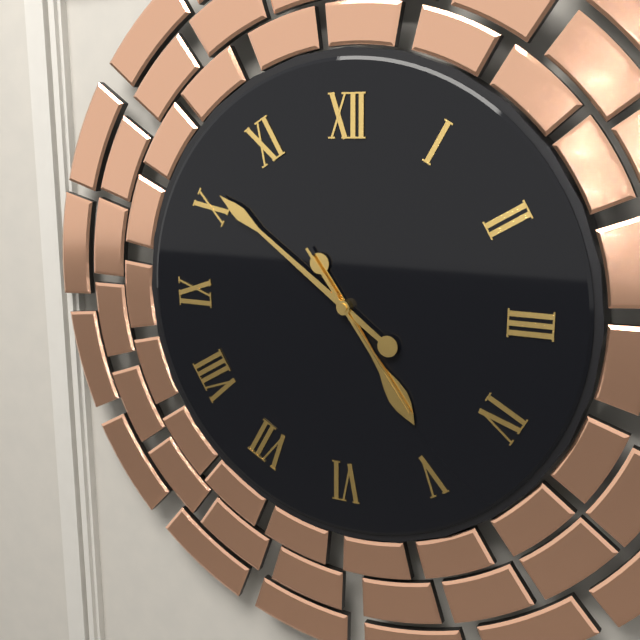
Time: **4:51:24**
